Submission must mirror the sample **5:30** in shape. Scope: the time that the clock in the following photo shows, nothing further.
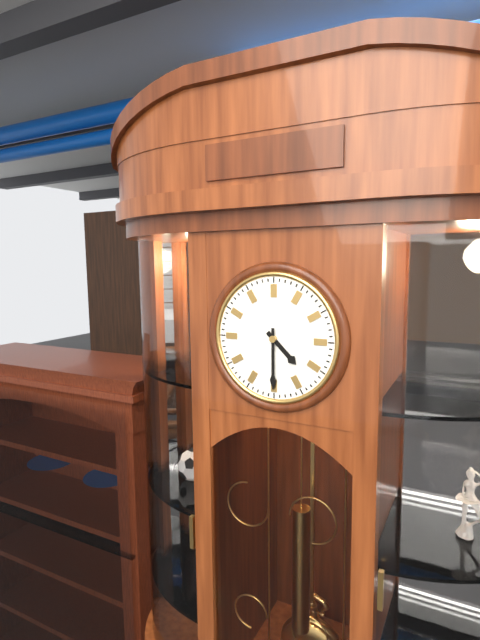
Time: **4:30**
